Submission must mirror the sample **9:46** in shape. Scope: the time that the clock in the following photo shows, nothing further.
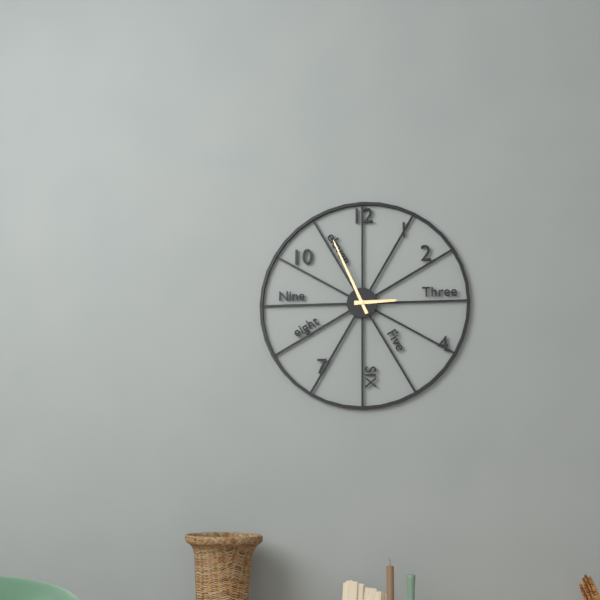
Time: **2:56**
